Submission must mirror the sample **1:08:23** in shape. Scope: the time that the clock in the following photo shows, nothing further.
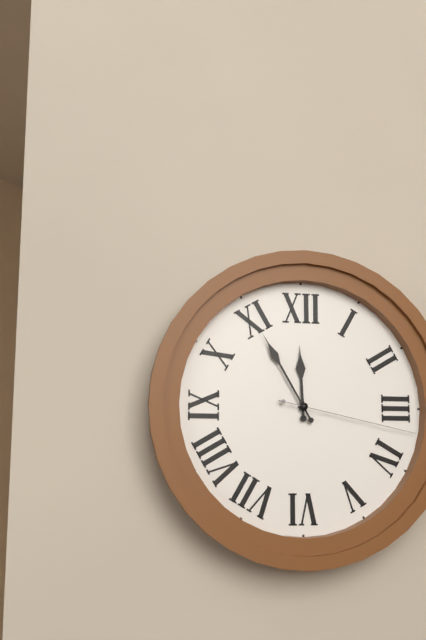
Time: **11:55:17**
